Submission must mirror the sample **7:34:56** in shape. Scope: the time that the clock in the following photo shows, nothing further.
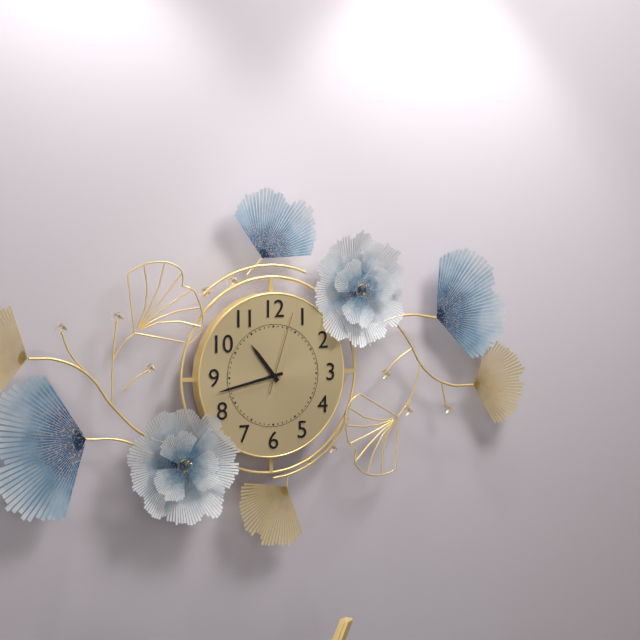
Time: **10:43:03**
